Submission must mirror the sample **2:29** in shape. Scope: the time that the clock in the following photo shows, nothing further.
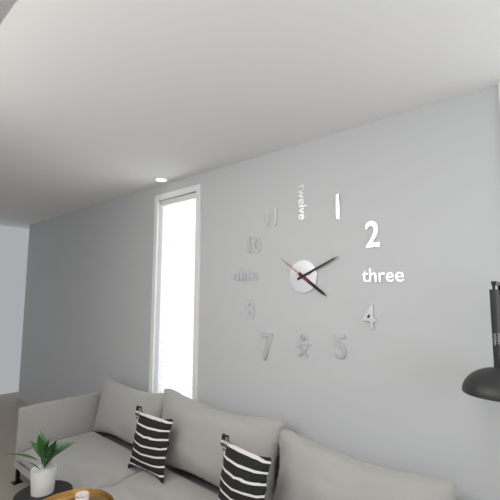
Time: **4:11**
